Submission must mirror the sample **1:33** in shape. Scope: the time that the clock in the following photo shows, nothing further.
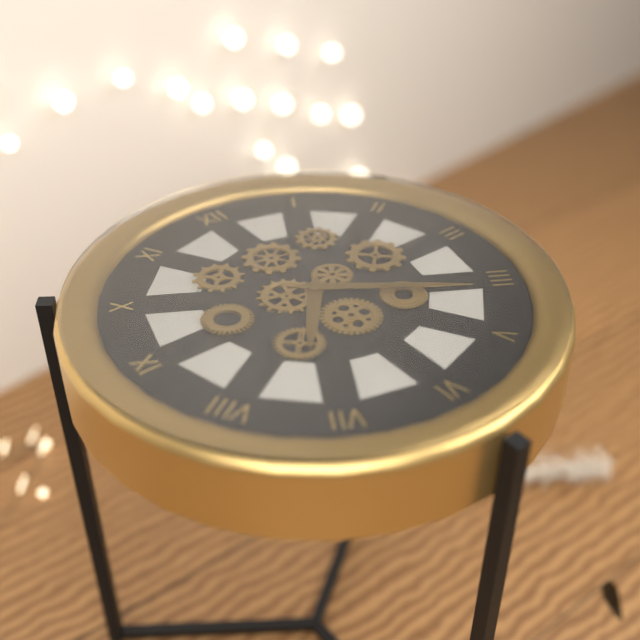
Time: **7:21**
